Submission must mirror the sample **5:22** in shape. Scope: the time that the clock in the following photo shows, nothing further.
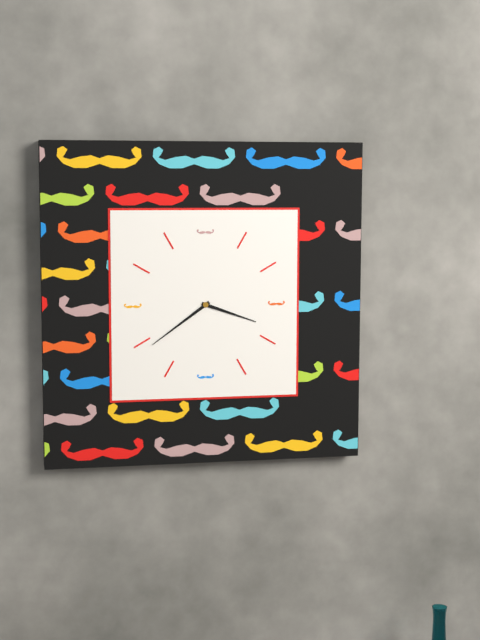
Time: **3:39**
